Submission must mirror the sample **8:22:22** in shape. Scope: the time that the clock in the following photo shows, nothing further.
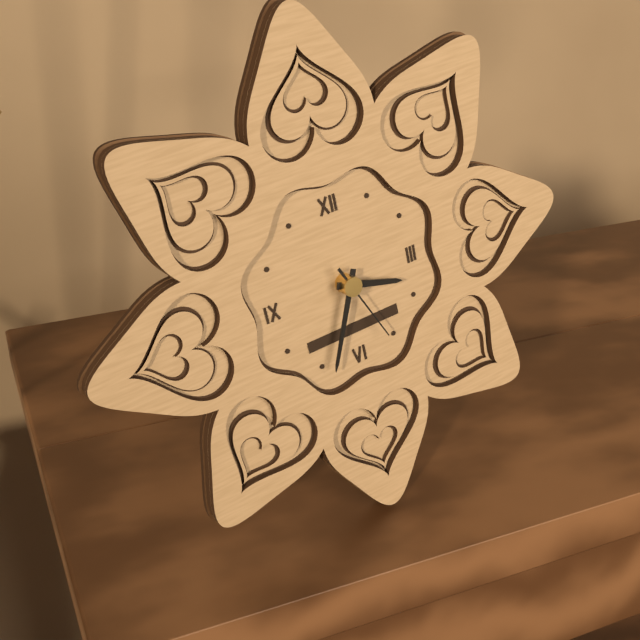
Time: **3:34:26**
